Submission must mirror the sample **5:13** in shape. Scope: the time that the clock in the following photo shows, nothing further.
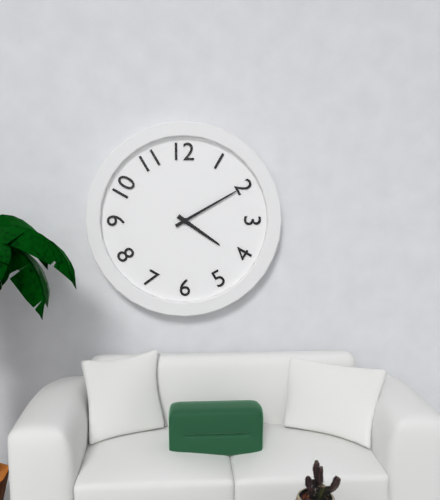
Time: **4:10**
